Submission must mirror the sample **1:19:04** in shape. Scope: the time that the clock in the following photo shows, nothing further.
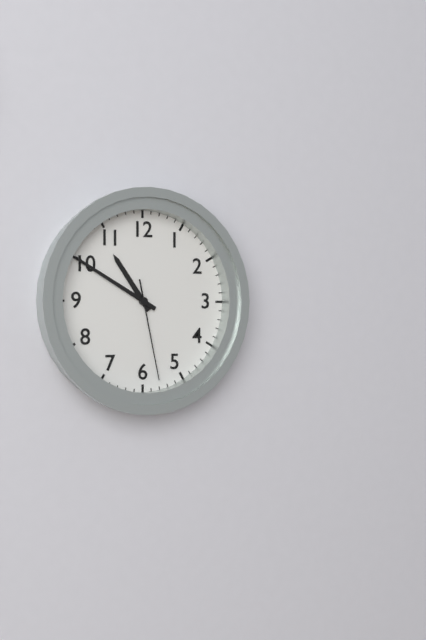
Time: **10:50:28**
